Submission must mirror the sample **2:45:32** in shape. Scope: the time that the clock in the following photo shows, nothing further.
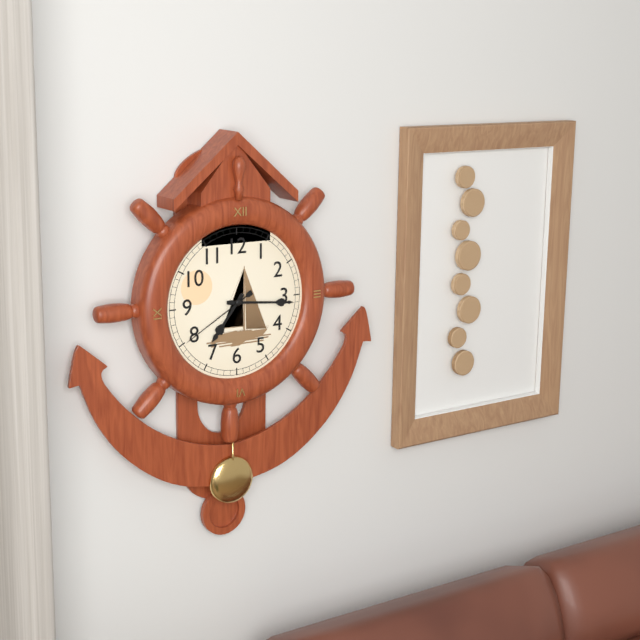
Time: **7:16:40**
